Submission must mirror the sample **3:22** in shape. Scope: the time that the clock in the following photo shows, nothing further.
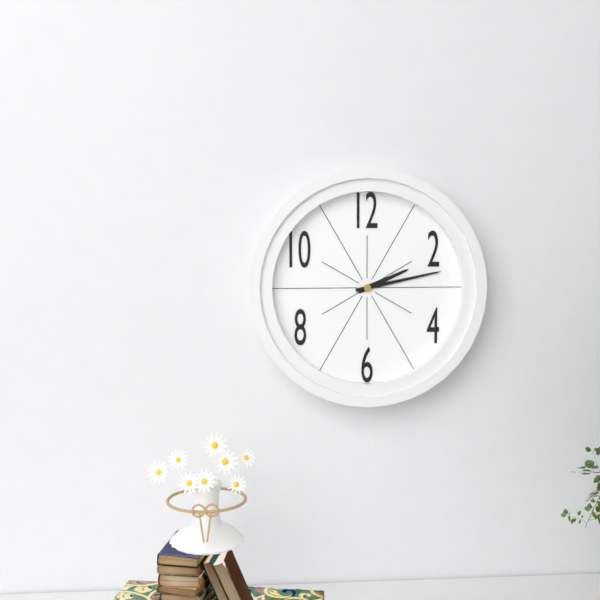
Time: **2:13**
